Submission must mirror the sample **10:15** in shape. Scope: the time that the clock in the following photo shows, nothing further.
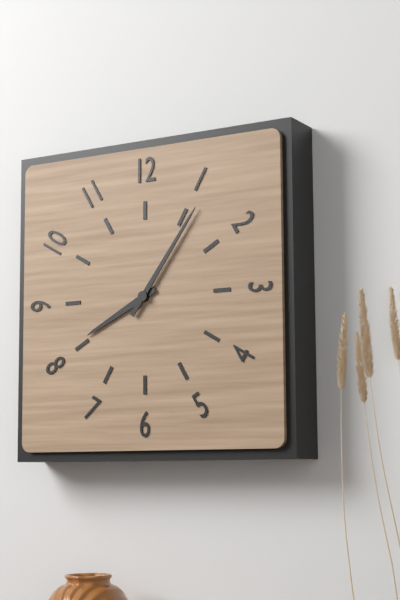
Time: **8:06**
